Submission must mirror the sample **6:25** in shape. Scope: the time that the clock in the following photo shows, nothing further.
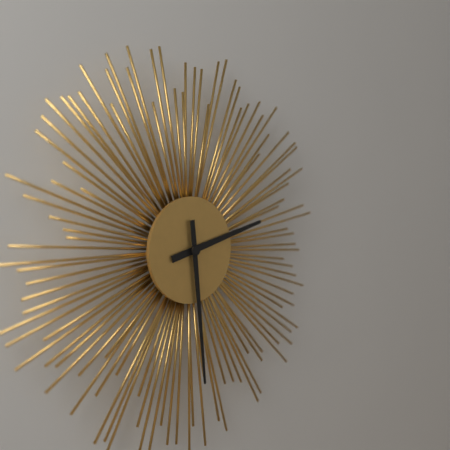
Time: **2:29**
